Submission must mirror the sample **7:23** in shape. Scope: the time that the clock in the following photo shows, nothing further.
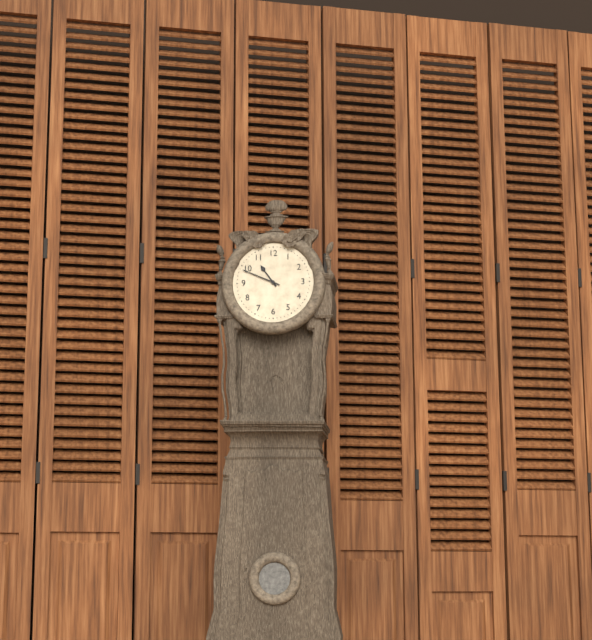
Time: **10:49**
